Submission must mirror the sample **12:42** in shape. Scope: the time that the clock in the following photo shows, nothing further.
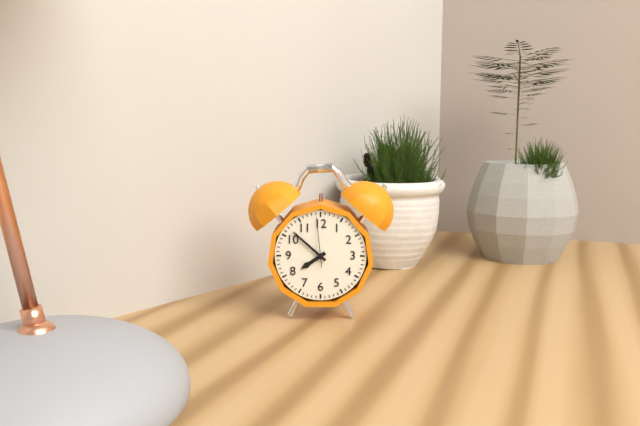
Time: **7:52**
